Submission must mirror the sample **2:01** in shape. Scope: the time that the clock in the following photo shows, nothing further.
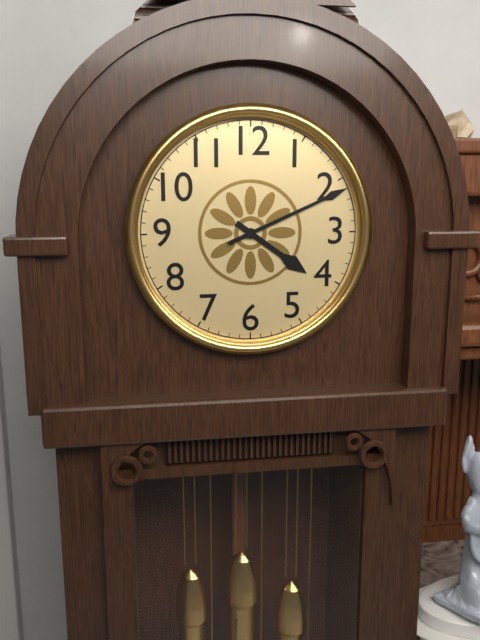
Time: **4:11**
